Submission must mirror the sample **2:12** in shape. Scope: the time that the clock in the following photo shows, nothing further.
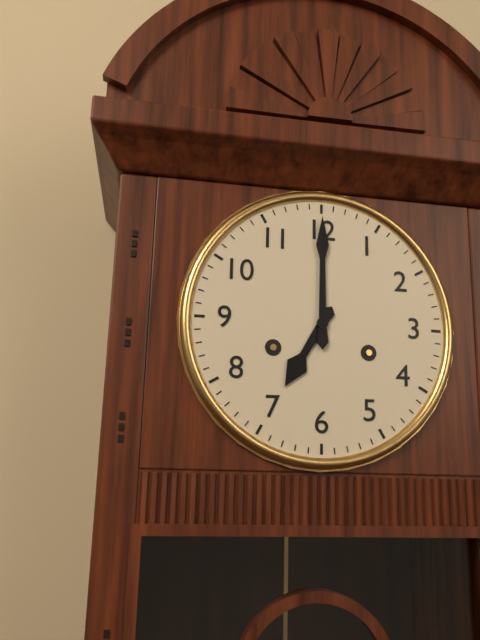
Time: **7:00**
